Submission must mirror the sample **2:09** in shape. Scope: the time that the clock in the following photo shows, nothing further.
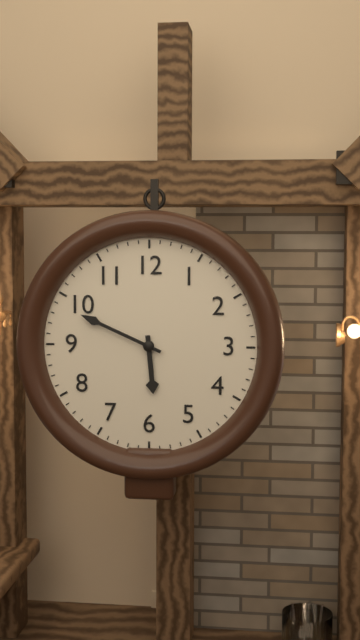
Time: **5:49**
